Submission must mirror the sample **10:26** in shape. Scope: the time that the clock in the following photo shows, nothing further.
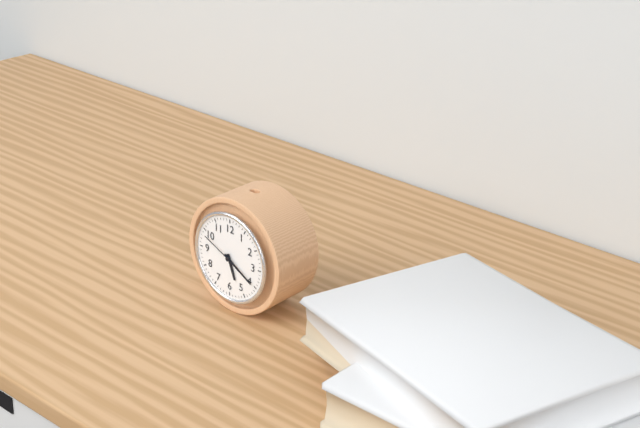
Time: **5:20**
